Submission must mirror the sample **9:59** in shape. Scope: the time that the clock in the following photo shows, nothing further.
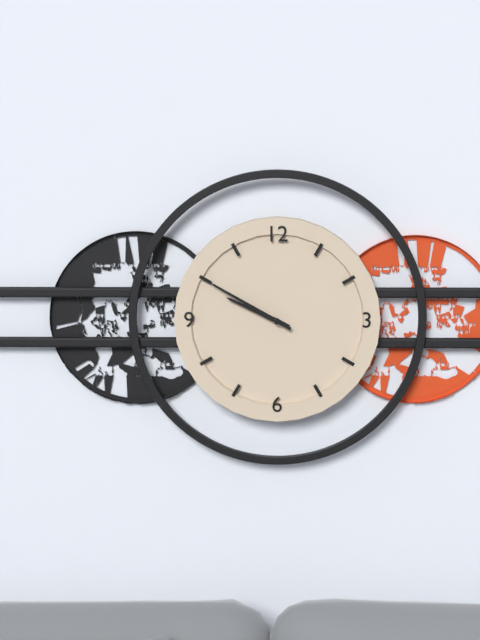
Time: **9:50**
